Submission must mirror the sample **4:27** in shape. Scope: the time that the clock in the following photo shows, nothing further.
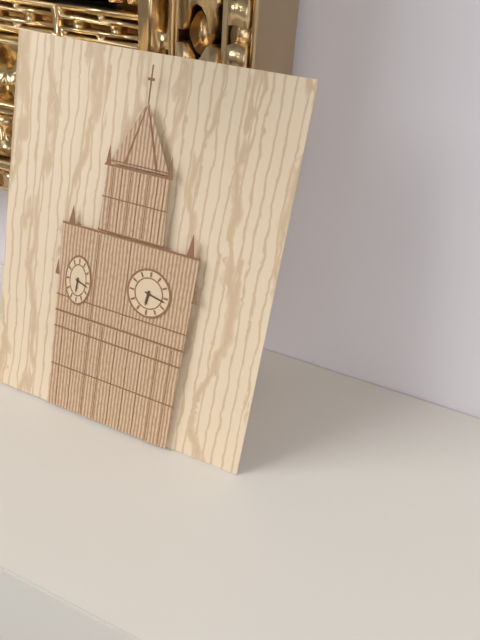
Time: **6:17**
